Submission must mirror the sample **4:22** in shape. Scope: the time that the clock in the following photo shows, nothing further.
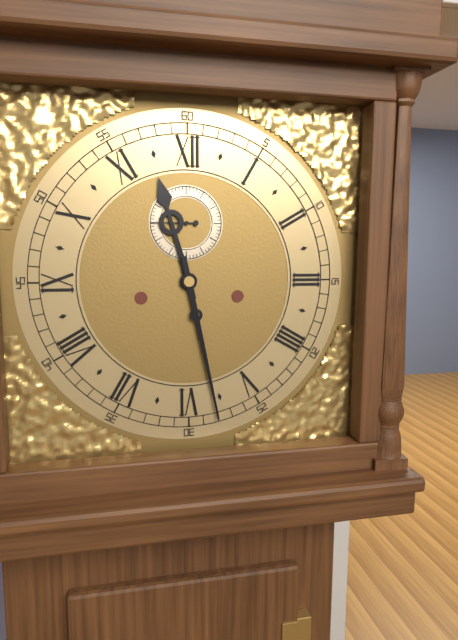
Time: **11:28**
